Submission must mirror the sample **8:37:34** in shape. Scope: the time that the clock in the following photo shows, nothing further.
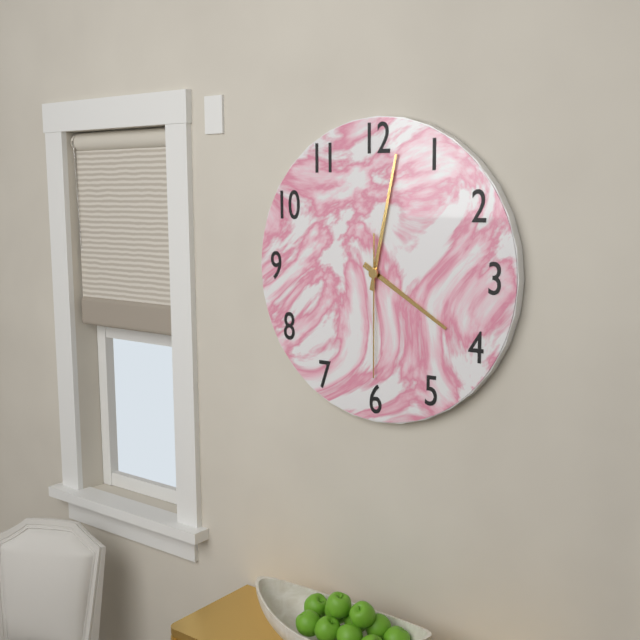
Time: **4:02:30**
